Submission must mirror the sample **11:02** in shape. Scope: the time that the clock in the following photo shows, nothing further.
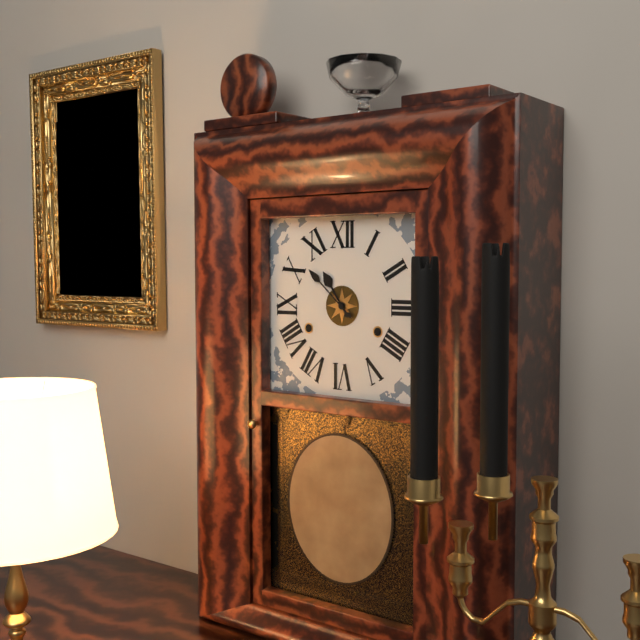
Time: **10:52**
